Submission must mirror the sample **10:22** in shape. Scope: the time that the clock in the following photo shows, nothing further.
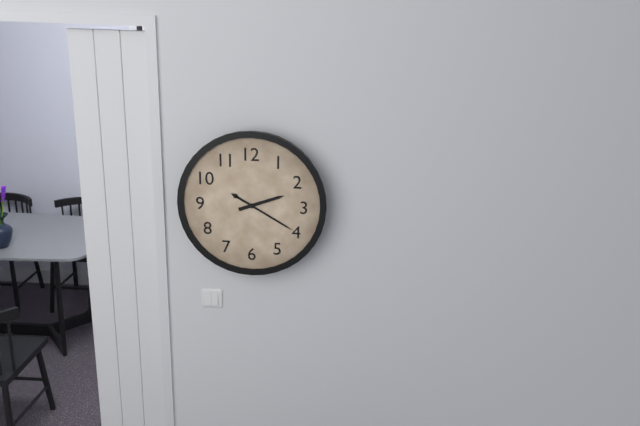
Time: **2:20**
